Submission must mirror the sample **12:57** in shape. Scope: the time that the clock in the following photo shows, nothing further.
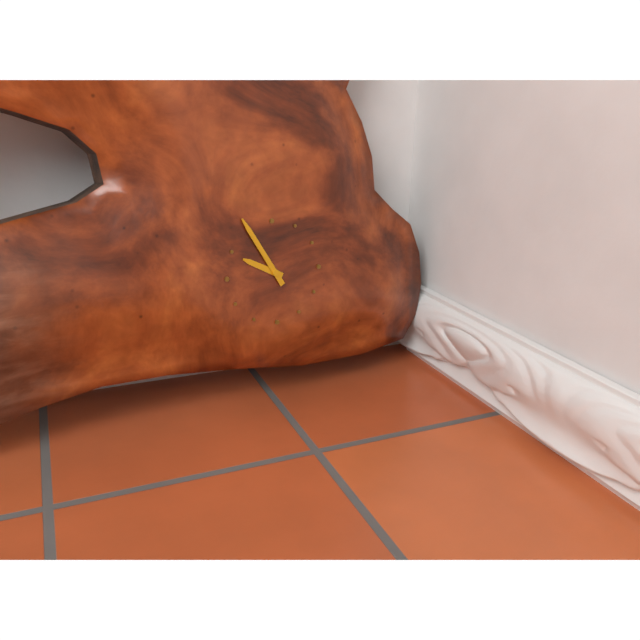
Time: **9:55**
